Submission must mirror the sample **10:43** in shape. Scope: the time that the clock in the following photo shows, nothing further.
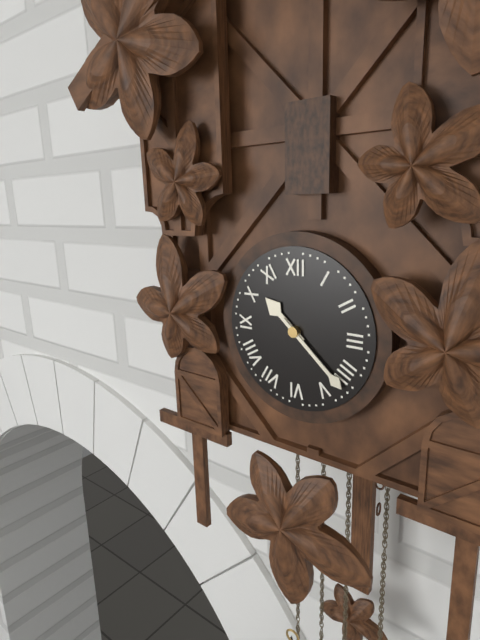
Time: **10:22**
